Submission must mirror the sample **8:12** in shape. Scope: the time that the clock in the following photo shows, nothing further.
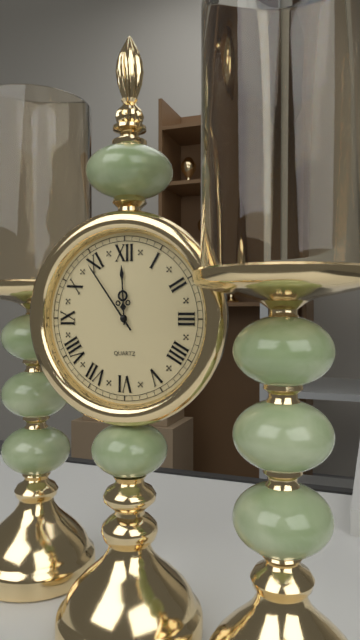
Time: **11:54**
